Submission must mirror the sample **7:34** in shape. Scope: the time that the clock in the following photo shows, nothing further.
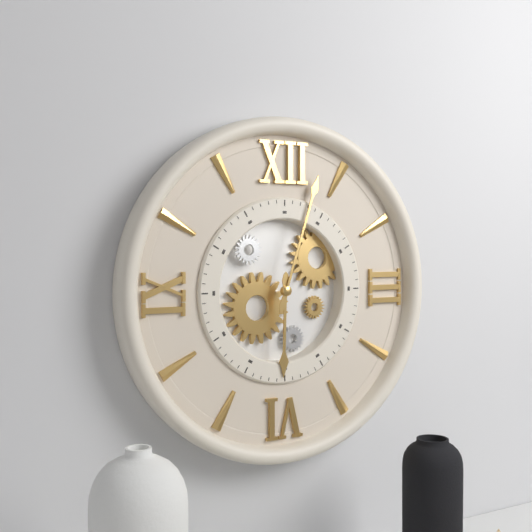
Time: **6:03**
